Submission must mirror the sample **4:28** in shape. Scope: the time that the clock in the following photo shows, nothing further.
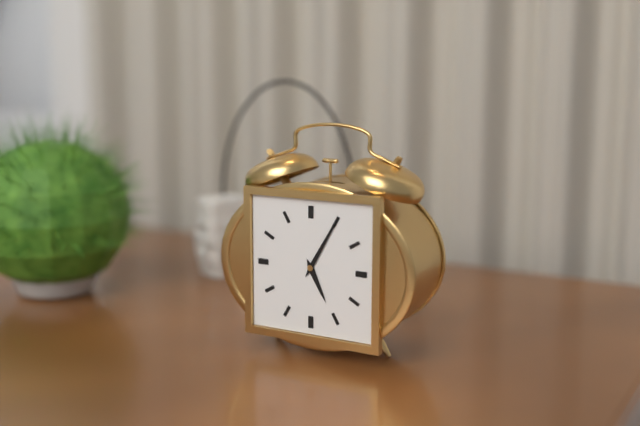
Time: **5:05**
